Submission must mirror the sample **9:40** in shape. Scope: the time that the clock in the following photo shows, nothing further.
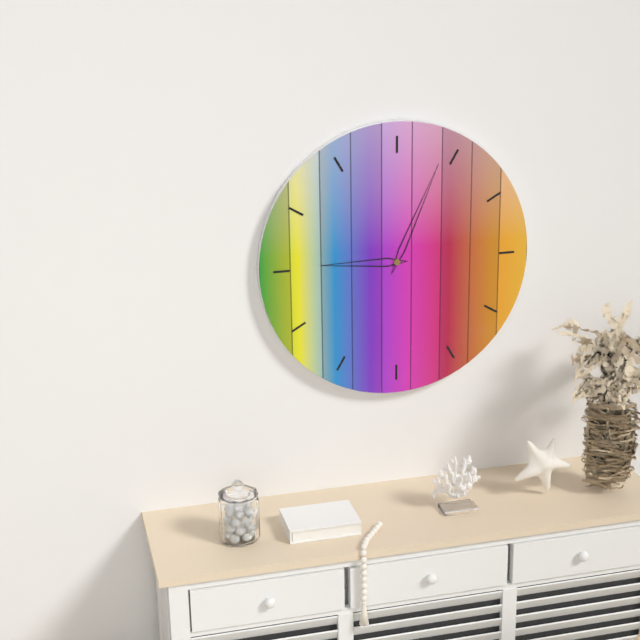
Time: **9:04**
